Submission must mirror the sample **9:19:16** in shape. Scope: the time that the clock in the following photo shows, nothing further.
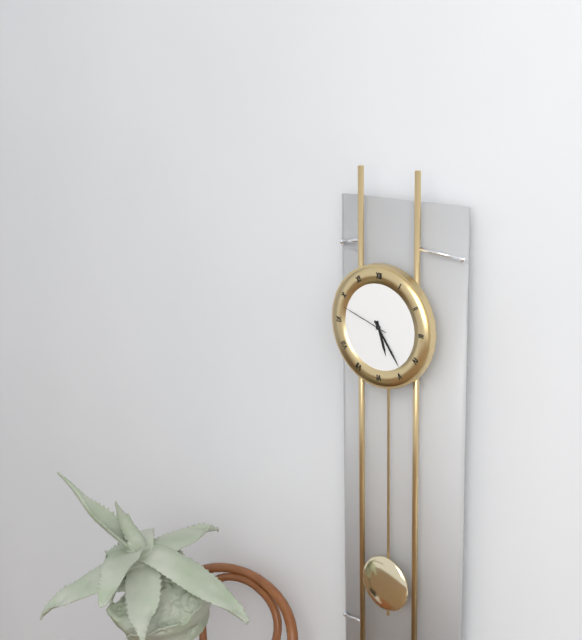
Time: **5:24:48**
